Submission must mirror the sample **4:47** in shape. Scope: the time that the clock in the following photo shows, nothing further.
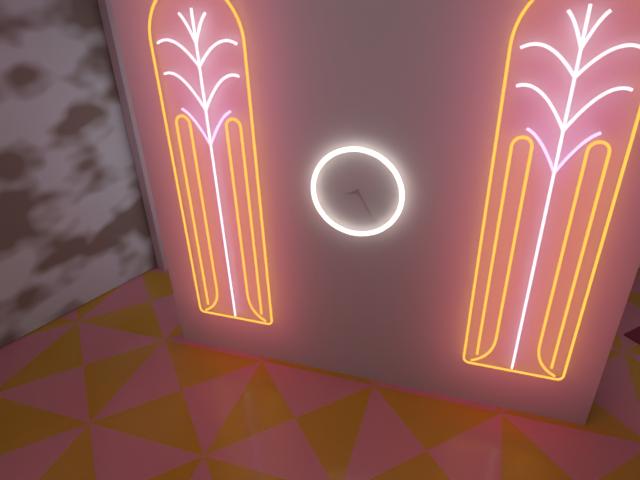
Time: **8:25**
